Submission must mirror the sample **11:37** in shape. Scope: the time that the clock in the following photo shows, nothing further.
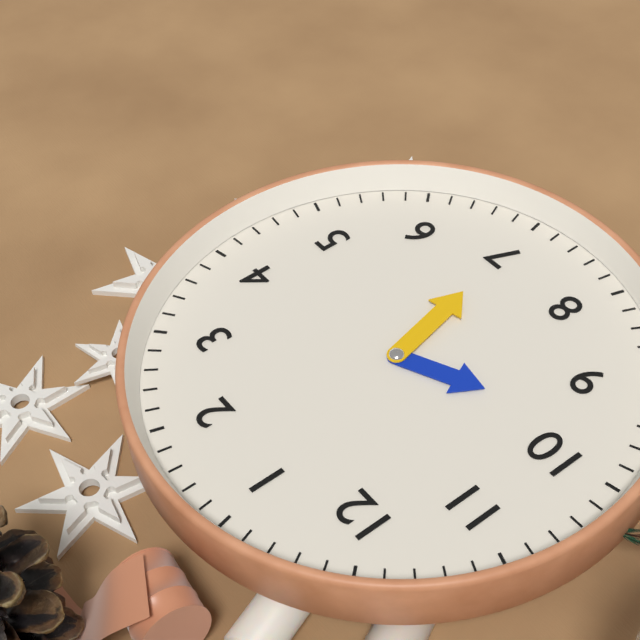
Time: **9:35**
